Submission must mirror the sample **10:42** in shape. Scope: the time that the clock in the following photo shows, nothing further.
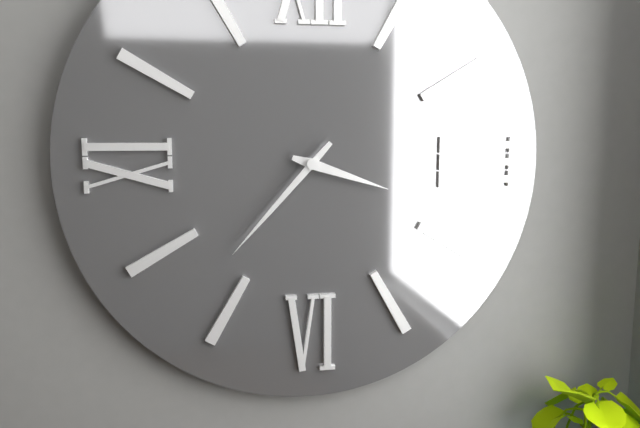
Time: **3:37**
